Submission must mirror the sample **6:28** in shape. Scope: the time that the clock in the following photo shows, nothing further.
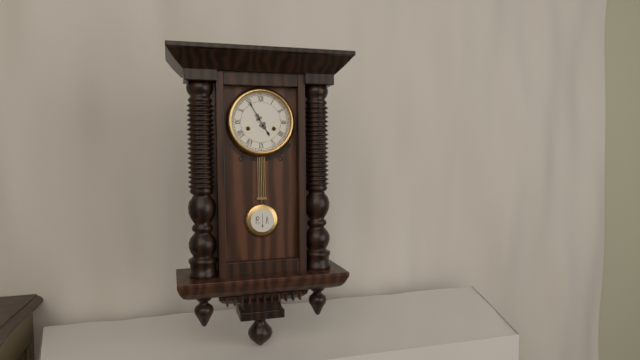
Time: **4:55**
